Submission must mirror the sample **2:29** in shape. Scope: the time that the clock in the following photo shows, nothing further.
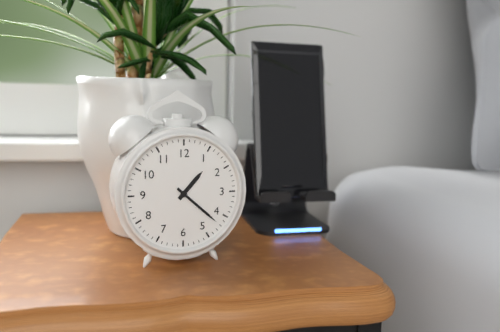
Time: **1:22**
